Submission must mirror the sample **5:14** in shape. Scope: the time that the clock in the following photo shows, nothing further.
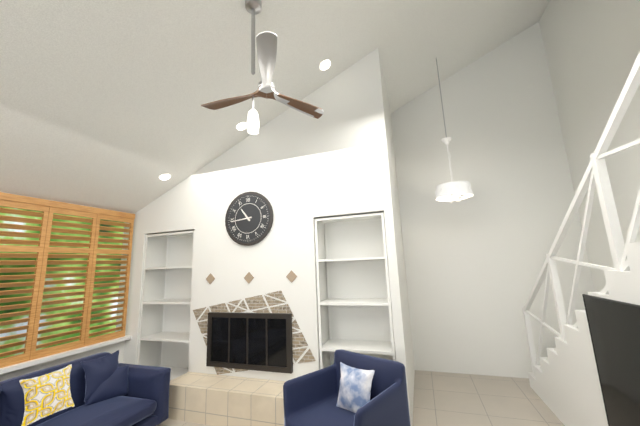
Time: **10:44**
